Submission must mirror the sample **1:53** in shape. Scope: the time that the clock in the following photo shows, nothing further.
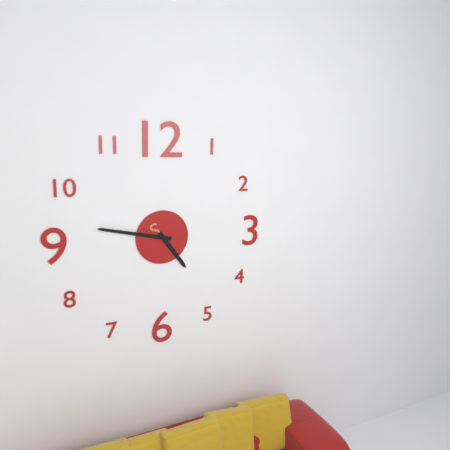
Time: **4:47**
